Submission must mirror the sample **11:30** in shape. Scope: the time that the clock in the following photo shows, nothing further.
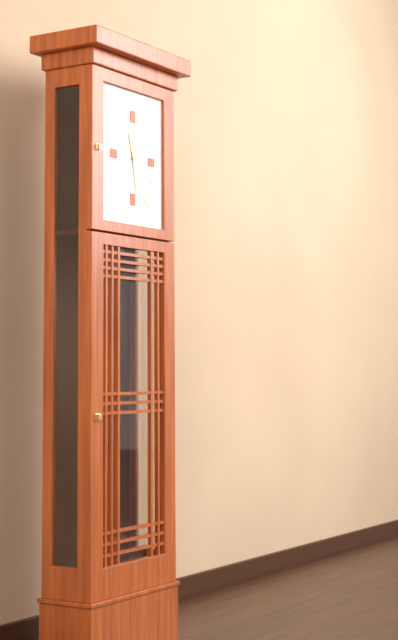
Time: **11:28**
